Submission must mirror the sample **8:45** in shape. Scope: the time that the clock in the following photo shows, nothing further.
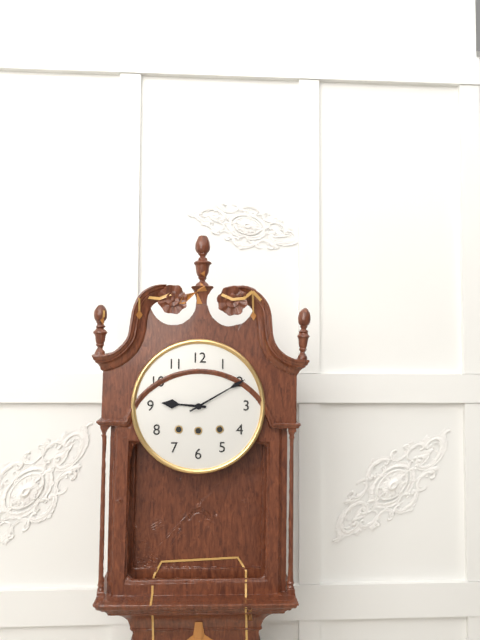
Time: **9:10**
